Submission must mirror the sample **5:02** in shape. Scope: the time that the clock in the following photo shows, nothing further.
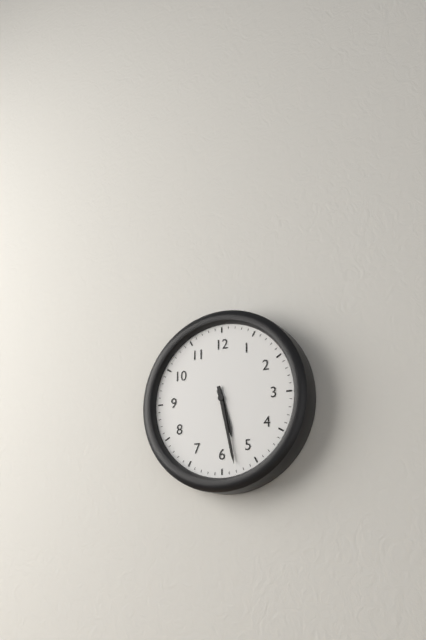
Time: **5:28**
